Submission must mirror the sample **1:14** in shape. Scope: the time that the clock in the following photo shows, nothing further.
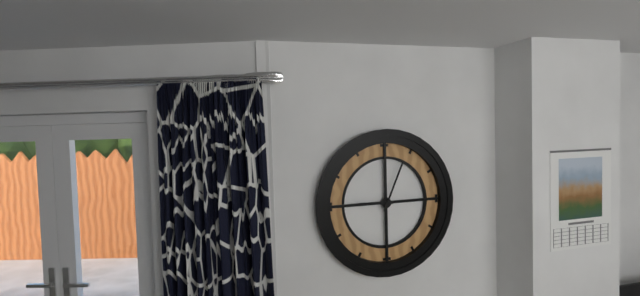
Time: **9:04**
